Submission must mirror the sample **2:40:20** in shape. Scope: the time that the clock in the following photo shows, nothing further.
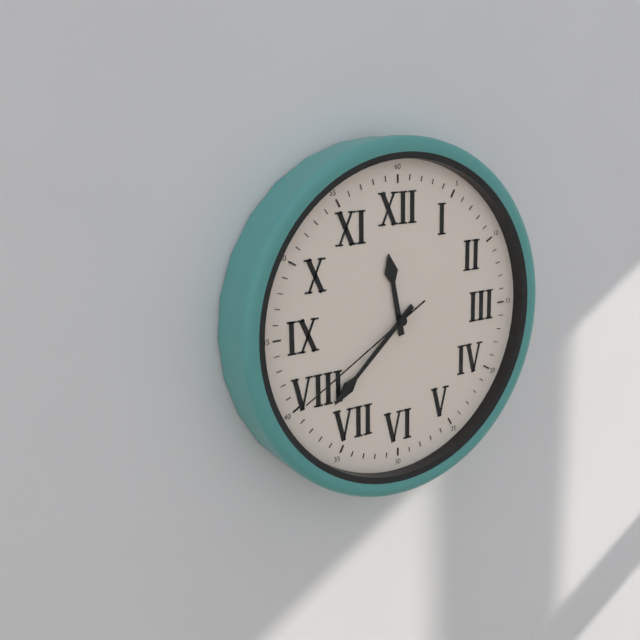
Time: **11:38:40**
